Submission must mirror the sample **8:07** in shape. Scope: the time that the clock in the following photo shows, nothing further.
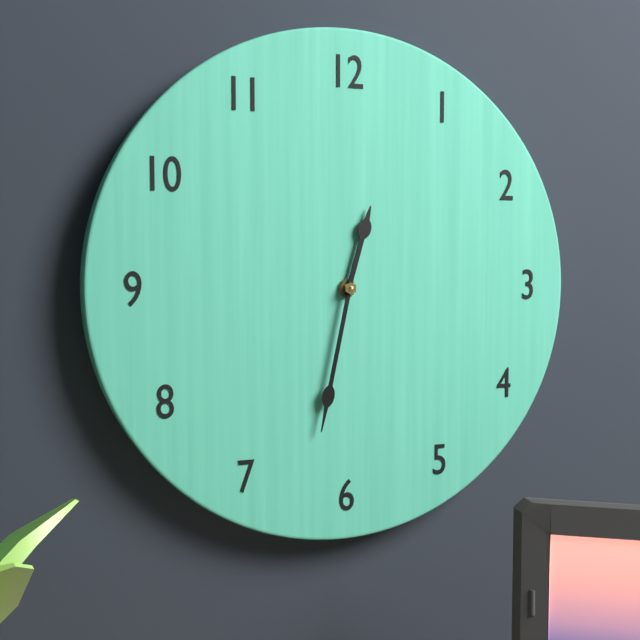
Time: **12:32**
